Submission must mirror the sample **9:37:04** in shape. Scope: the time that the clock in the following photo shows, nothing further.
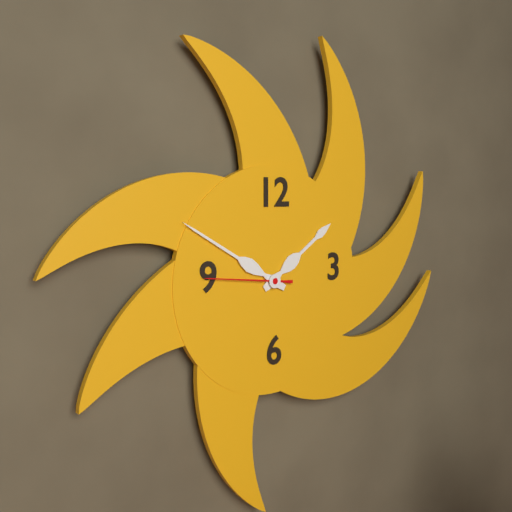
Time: **1:50:46**
